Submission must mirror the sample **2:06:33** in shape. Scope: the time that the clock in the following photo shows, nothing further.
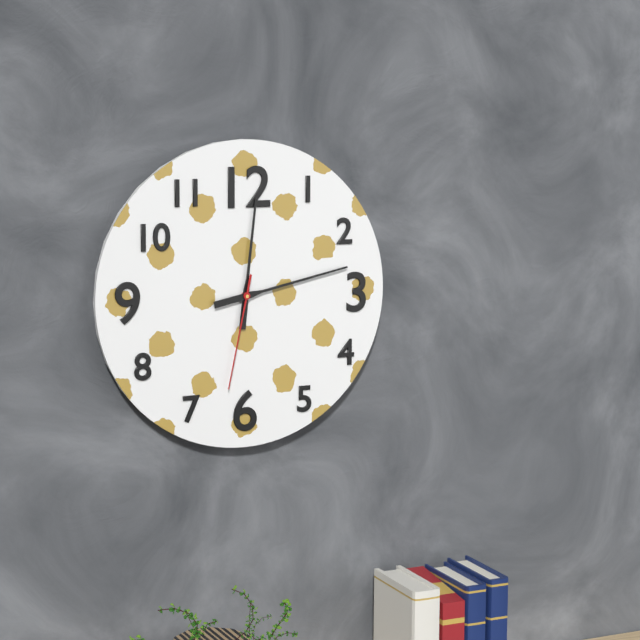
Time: **12:13:32**
